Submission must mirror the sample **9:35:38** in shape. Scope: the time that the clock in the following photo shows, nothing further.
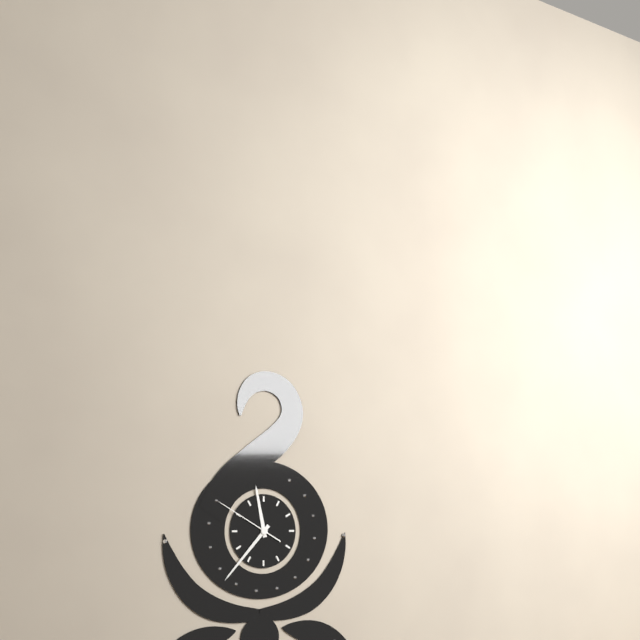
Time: **11:37:50**
